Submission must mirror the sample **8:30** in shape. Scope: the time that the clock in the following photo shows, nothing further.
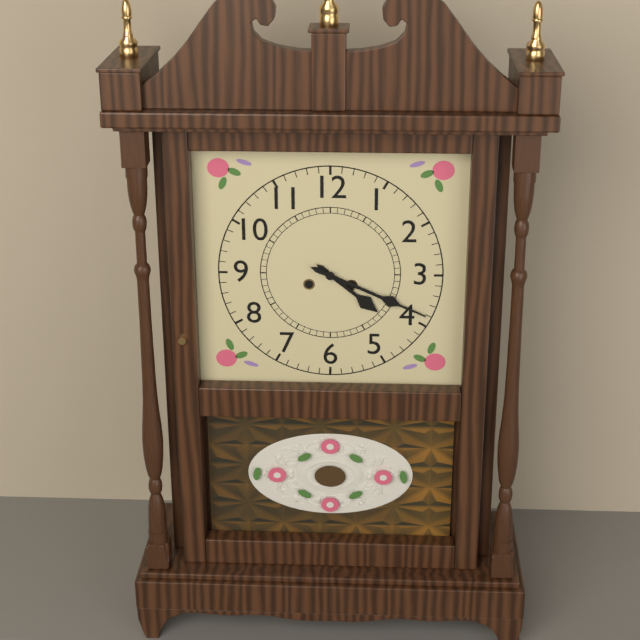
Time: **4:19**
